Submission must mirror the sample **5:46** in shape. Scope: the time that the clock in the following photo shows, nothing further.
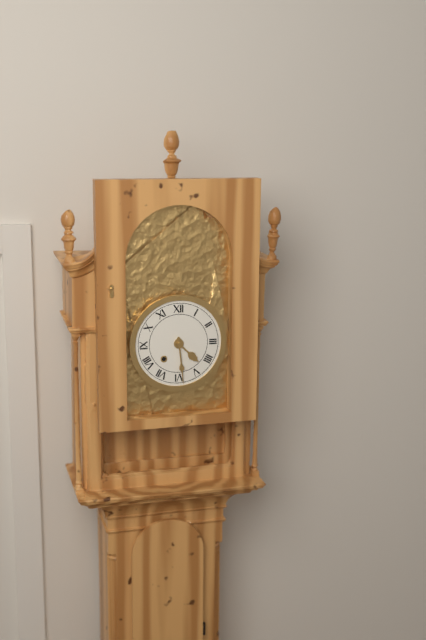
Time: **4:29**
